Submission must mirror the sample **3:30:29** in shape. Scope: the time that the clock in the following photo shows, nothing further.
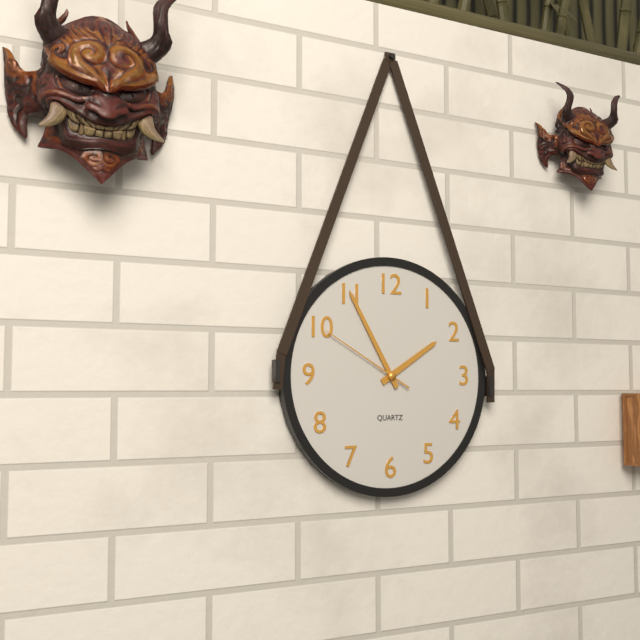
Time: **1:55:50**
